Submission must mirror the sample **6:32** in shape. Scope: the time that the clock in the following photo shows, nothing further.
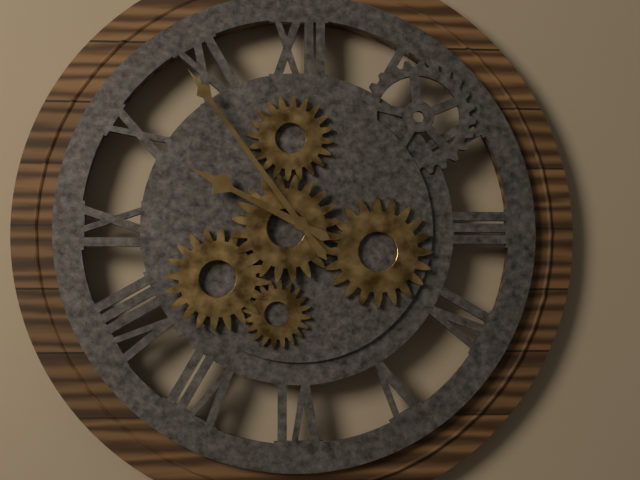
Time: **9:54**
